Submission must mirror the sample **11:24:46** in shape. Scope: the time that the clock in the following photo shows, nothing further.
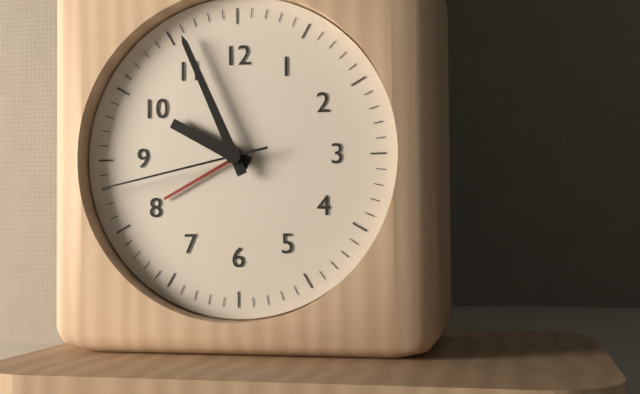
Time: **9:56:43**
